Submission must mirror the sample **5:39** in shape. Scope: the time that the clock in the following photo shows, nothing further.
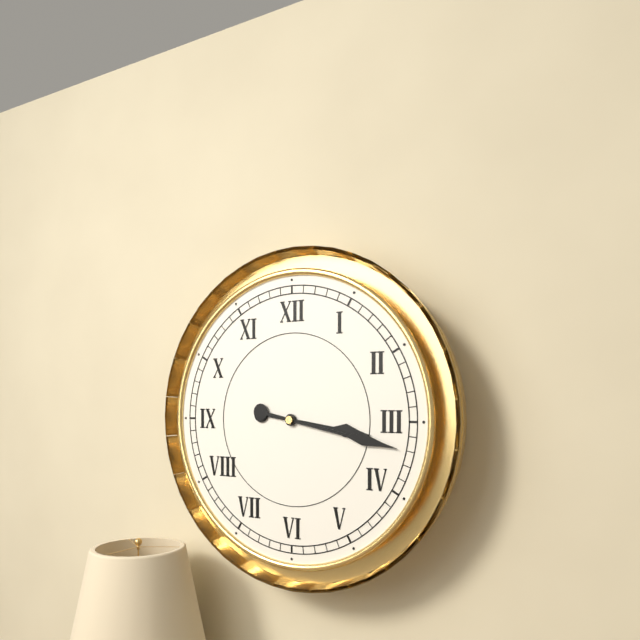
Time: **3:17**
